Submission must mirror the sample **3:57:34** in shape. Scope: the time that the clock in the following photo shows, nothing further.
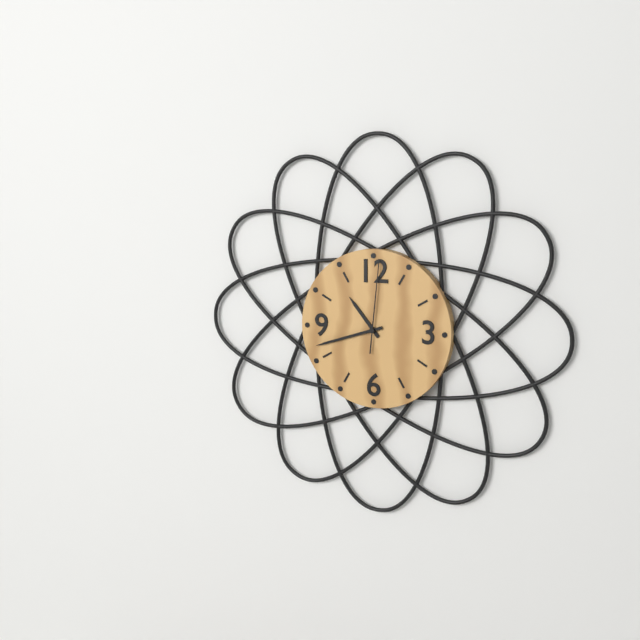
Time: **10:42:01**
